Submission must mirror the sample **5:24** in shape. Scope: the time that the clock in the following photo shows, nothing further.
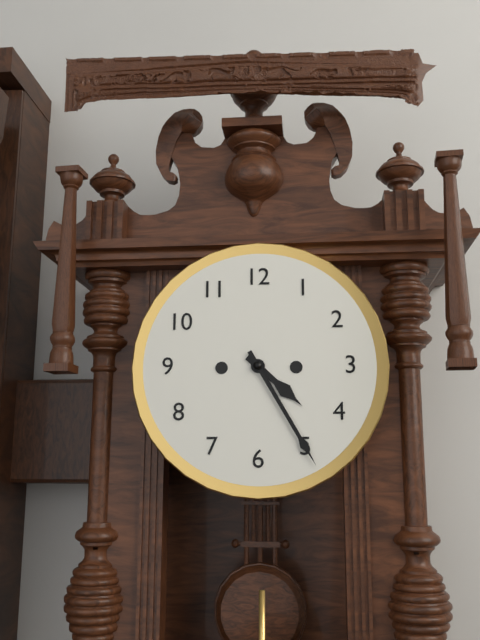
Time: **4:25**
